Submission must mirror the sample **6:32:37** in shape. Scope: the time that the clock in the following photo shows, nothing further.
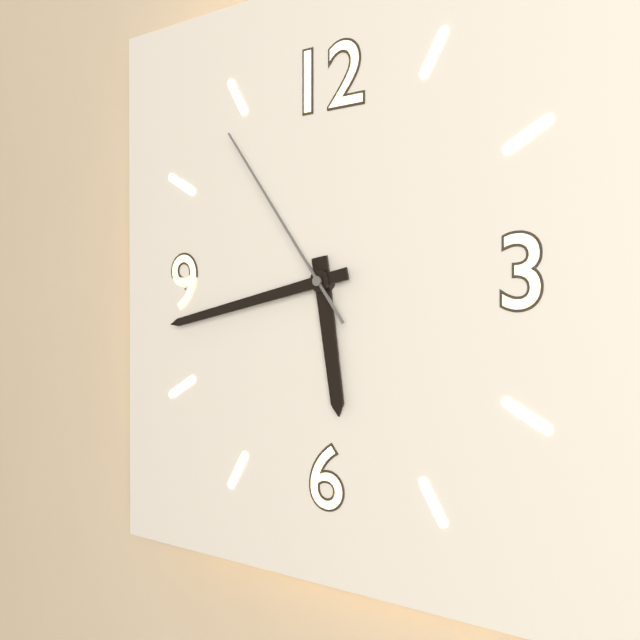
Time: **5:43:54**
